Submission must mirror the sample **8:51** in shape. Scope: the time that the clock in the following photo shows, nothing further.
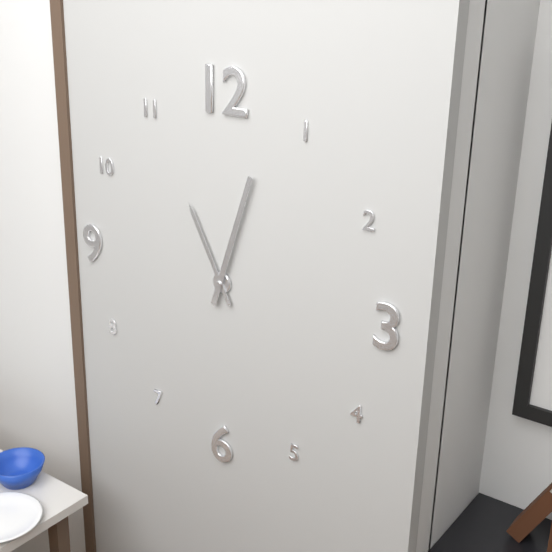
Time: **11:03**
